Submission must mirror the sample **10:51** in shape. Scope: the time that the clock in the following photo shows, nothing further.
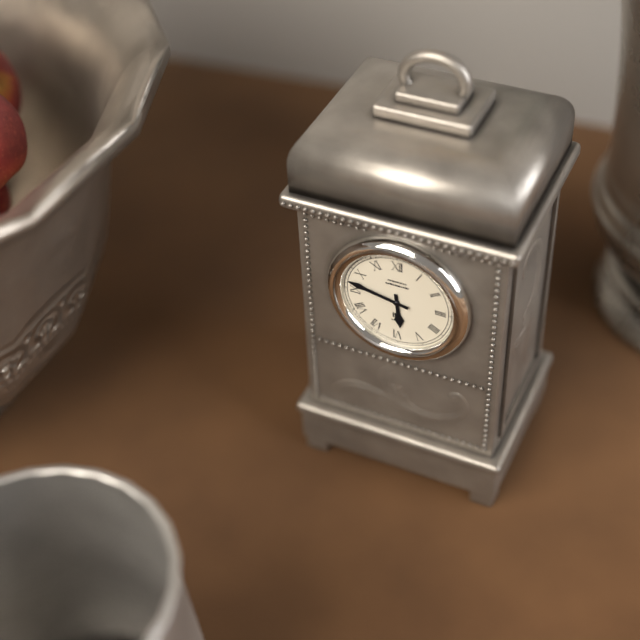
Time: **5:47**
